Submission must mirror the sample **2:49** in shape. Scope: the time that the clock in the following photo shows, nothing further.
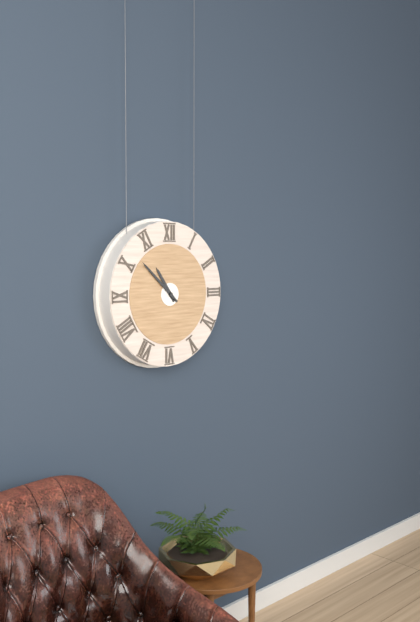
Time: **10:52**
